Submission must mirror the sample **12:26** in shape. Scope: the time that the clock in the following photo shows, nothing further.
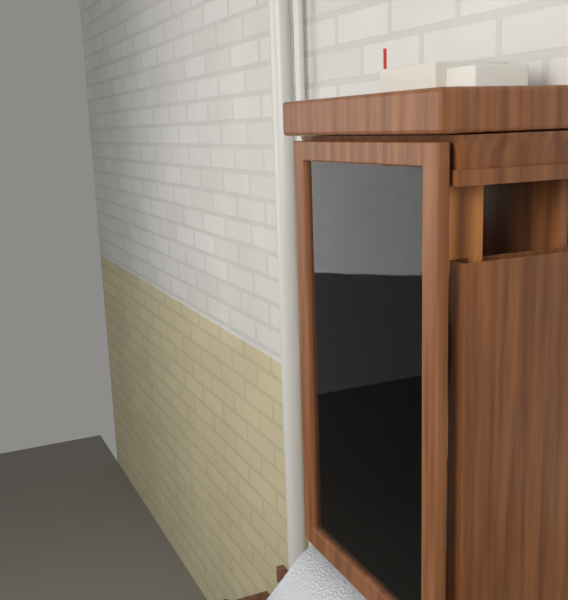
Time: **5:33**
